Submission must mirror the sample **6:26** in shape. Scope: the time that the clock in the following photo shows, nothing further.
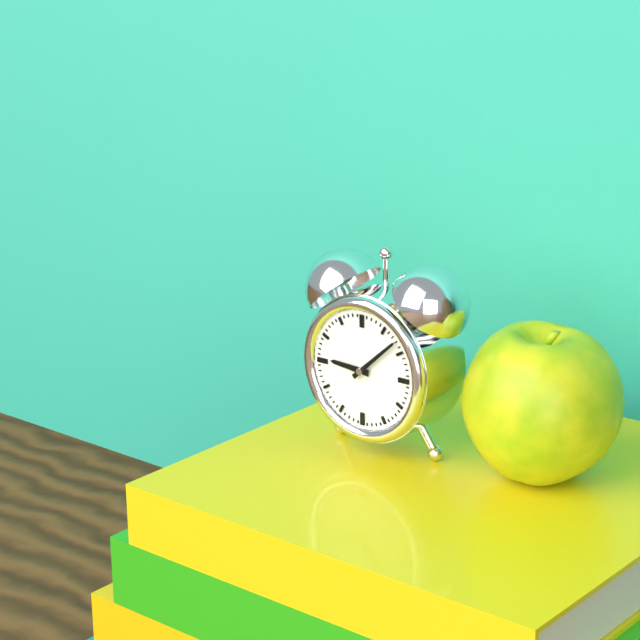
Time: **9:08**
